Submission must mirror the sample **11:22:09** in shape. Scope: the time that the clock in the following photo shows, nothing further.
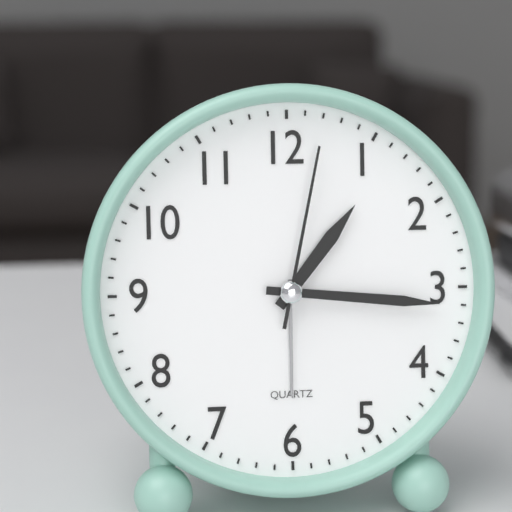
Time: **1:16:02**
